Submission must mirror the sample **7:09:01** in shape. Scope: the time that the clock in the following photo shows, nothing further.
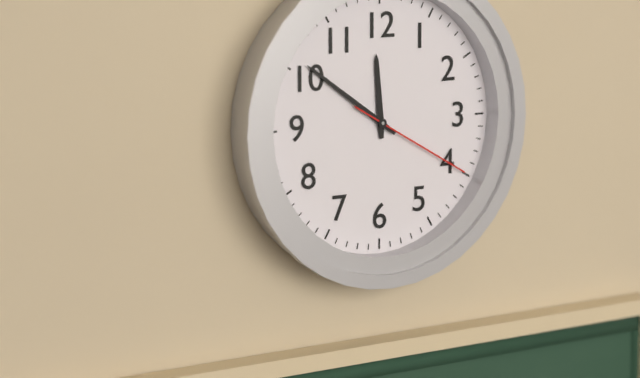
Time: **11:51:20**
